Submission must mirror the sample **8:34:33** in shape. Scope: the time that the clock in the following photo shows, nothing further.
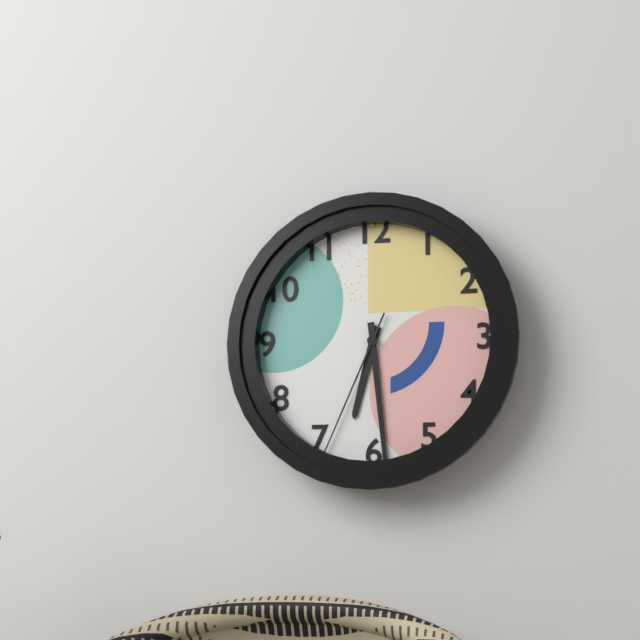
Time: **6:29:34**
